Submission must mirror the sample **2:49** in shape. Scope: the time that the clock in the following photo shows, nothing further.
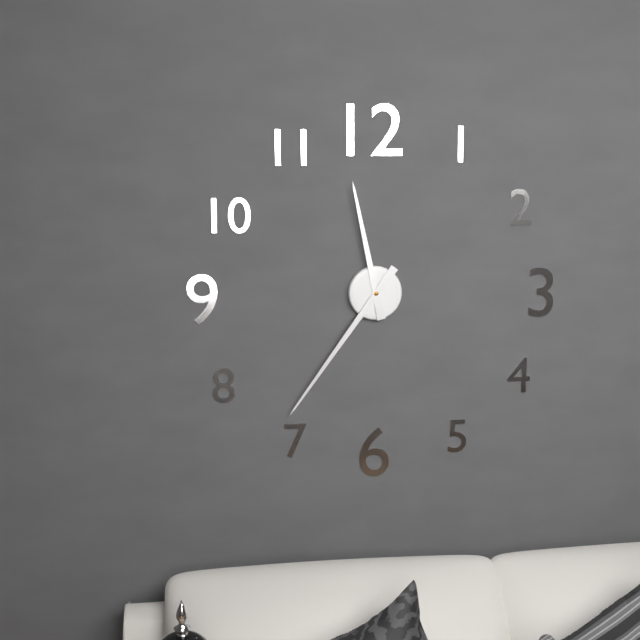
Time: **11:36**
